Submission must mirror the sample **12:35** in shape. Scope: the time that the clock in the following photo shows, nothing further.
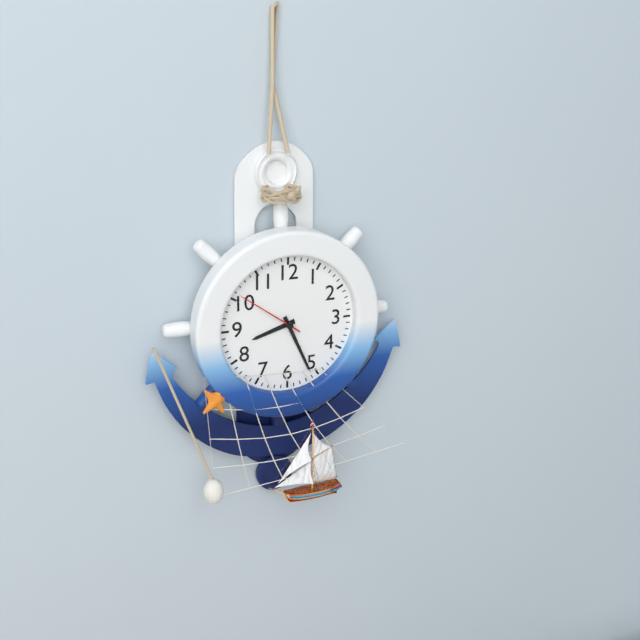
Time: **8:26**
